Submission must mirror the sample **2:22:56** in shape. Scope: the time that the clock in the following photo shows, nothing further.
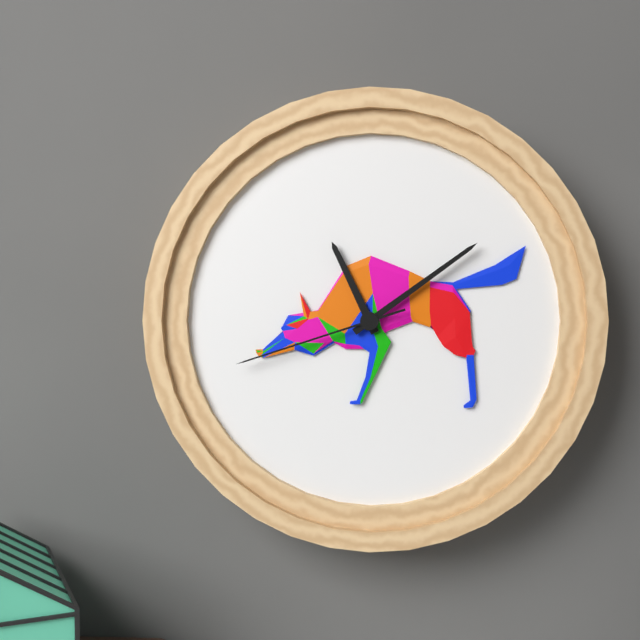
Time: **11:09:42**
